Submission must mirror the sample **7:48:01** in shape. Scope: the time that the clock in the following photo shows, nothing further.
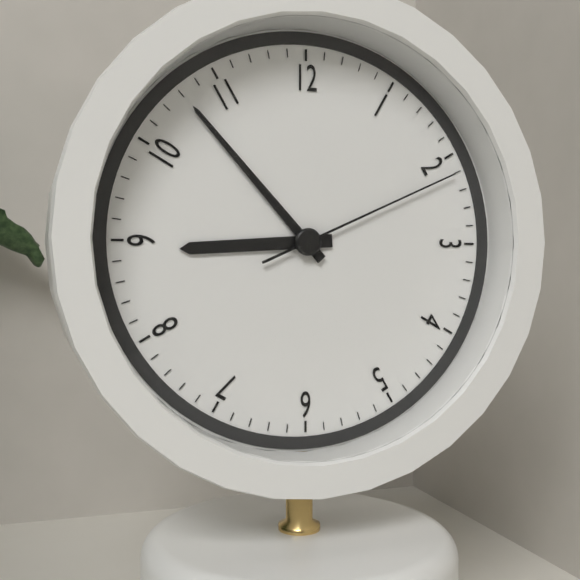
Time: **8:53:11**
